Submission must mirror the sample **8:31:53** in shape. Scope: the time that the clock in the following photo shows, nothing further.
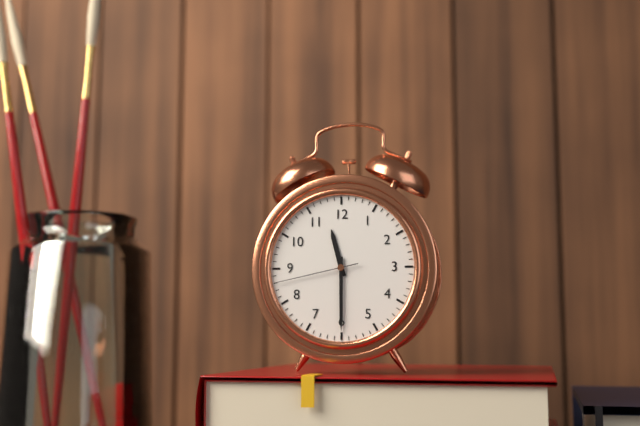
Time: **11:30:43**
